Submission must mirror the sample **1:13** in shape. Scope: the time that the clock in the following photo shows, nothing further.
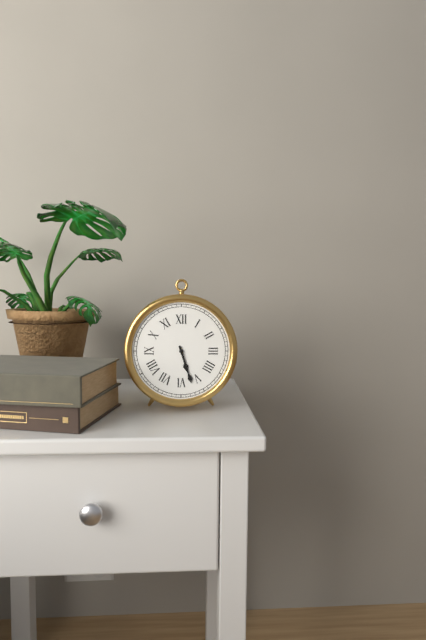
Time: **5:27**
